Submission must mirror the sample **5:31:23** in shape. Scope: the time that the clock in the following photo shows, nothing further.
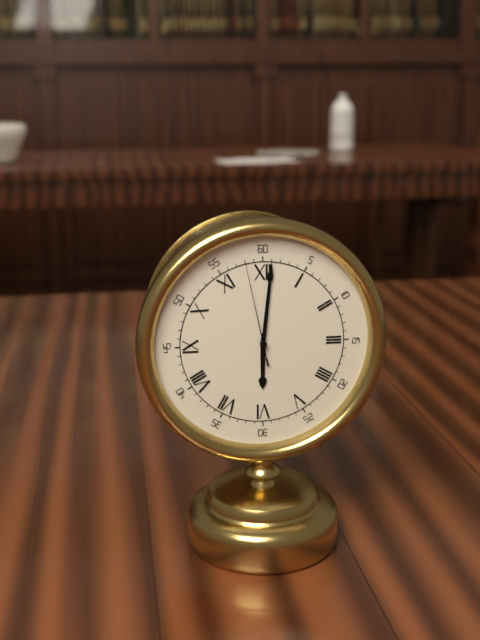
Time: **6:01:58**
